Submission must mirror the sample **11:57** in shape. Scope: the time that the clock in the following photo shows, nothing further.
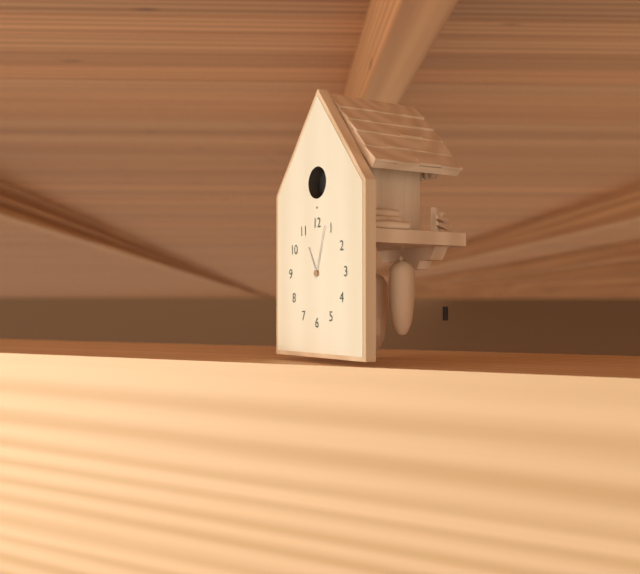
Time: **11:03**
